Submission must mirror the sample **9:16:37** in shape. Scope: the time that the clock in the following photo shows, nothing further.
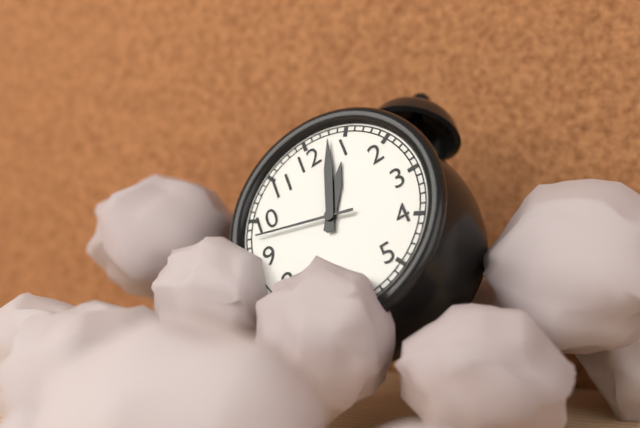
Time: **1:03:48**
